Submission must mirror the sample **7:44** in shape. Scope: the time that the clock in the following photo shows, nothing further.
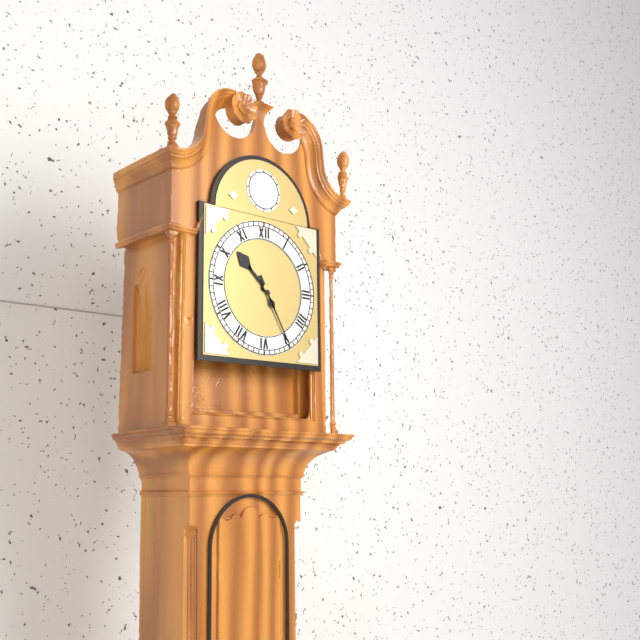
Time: **10:25**
